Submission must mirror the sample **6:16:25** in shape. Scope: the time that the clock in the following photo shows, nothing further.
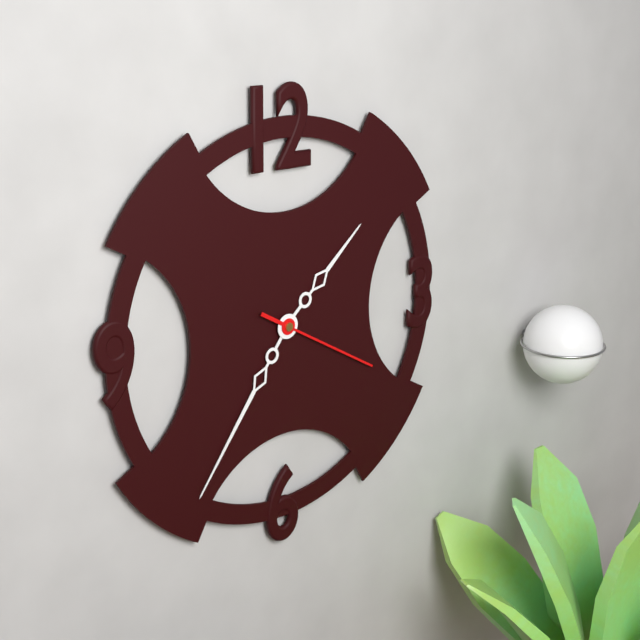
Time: **1:36:20**
